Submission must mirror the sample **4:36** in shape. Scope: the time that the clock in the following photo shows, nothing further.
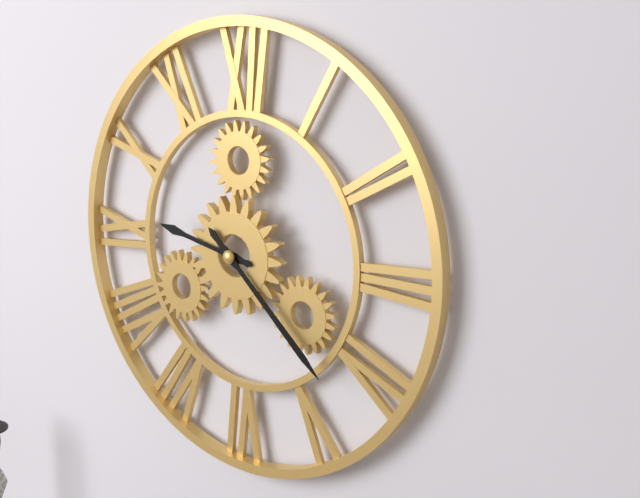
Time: **9:22**
